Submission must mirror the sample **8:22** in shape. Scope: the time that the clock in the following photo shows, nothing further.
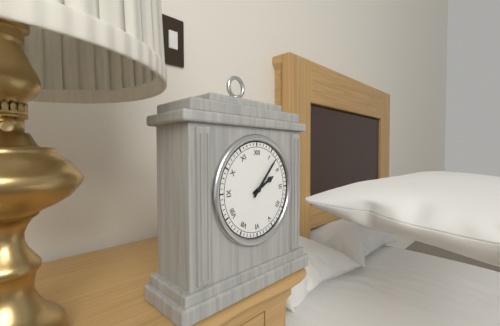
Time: **2:07**
